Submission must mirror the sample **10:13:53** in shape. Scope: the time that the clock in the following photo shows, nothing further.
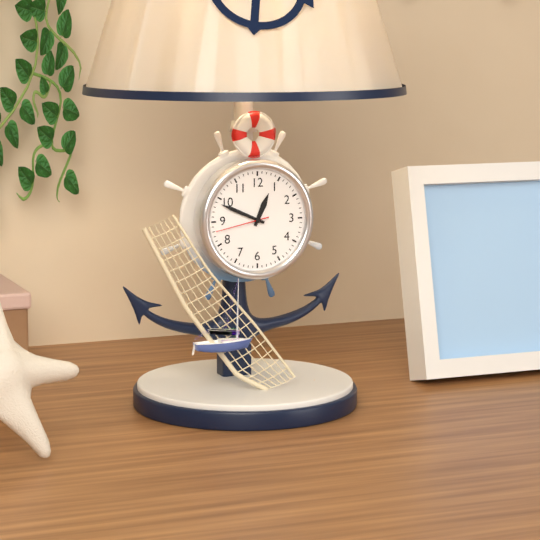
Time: **12:49:43**
